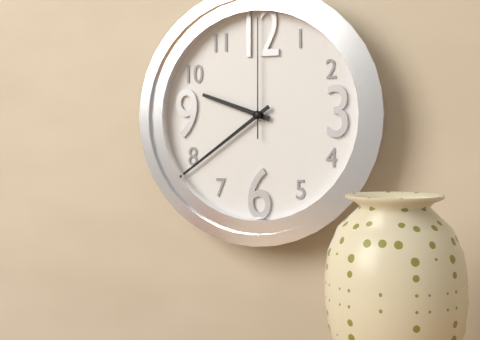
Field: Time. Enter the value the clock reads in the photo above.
9:39:00
